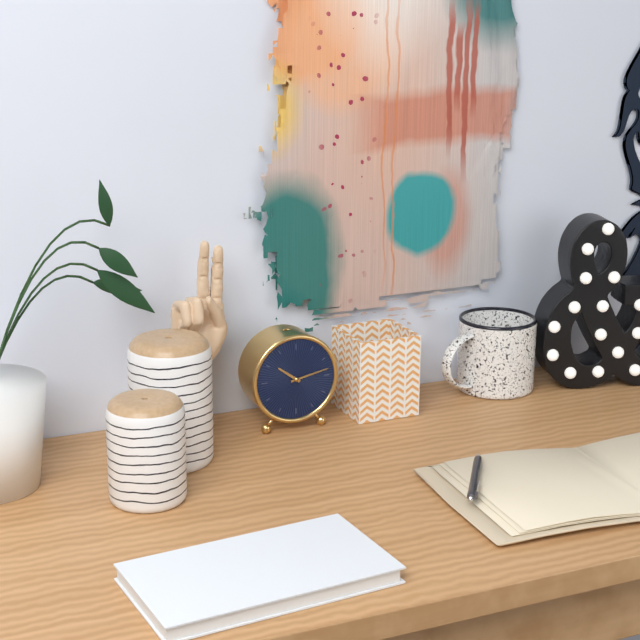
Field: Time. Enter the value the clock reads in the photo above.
10:13
